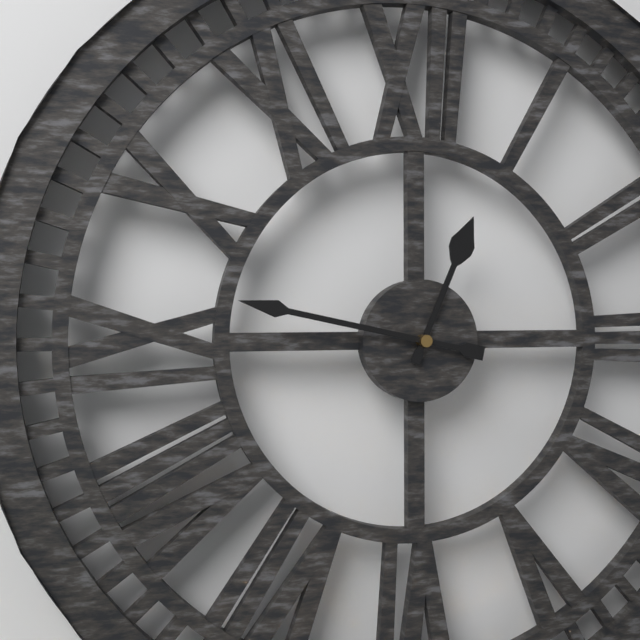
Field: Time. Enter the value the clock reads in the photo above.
12:47
